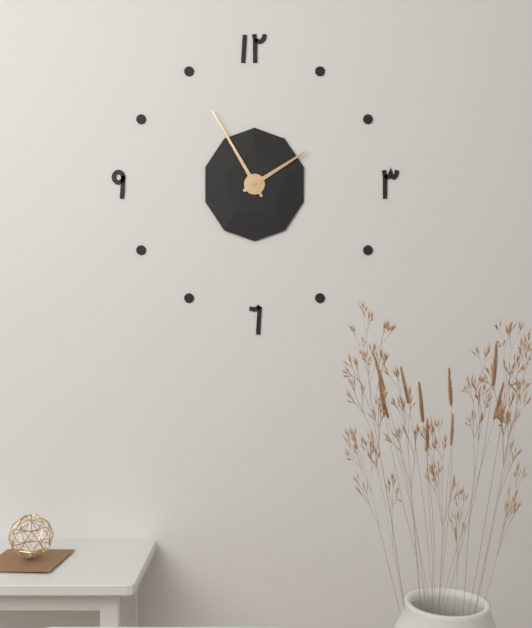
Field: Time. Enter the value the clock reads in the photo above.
1:55
